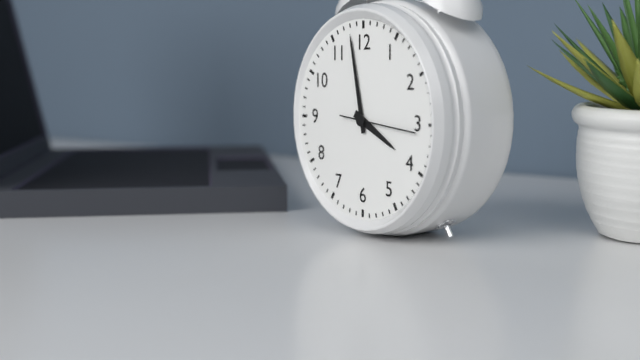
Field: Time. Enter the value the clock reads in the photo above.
3:58:16
